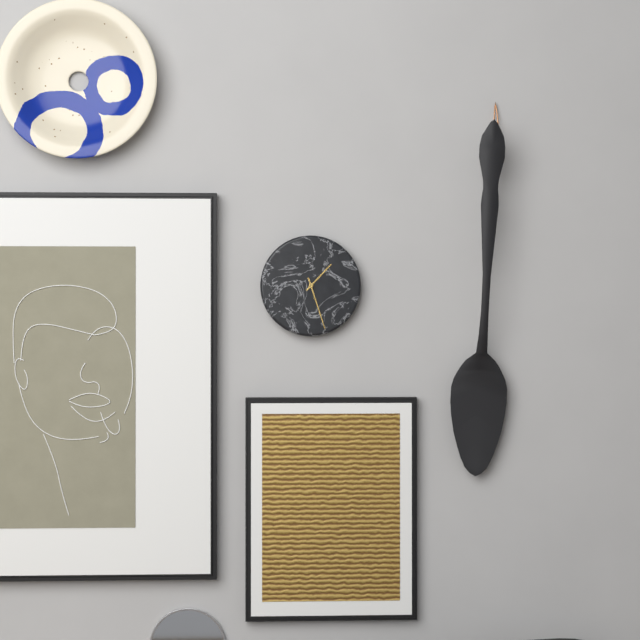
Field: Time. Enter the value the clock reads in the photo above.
1:27
